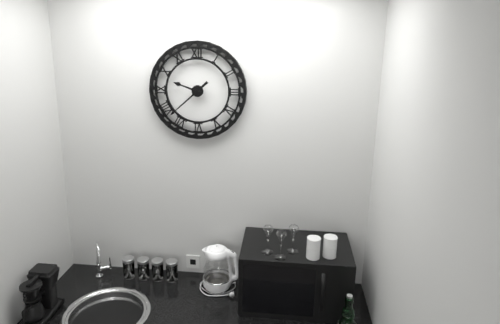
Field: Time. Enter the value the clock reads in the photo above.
9:38
